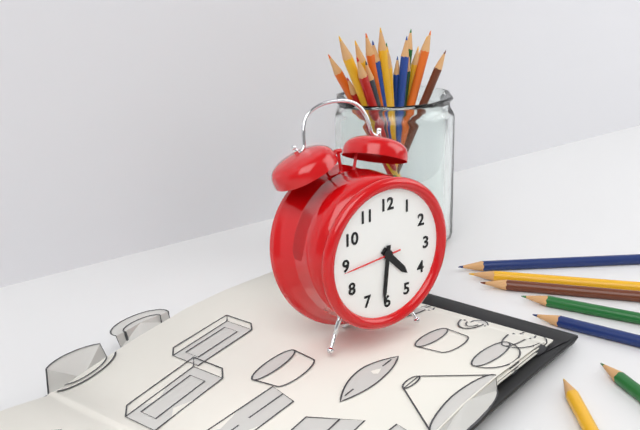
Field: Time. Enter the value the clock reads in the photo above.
4:31:44
